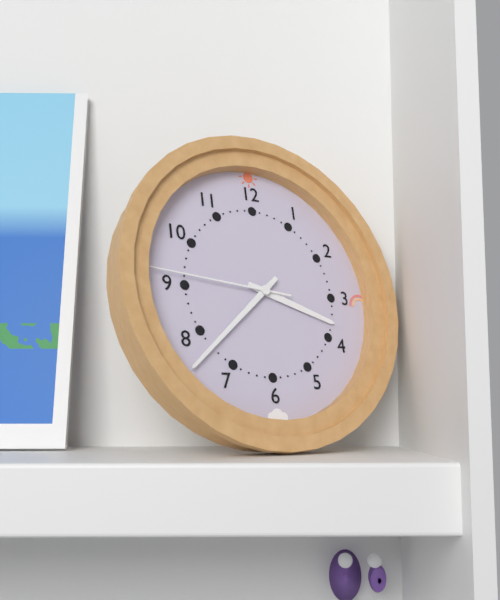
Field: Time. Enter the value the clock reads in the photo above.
3:38:46
